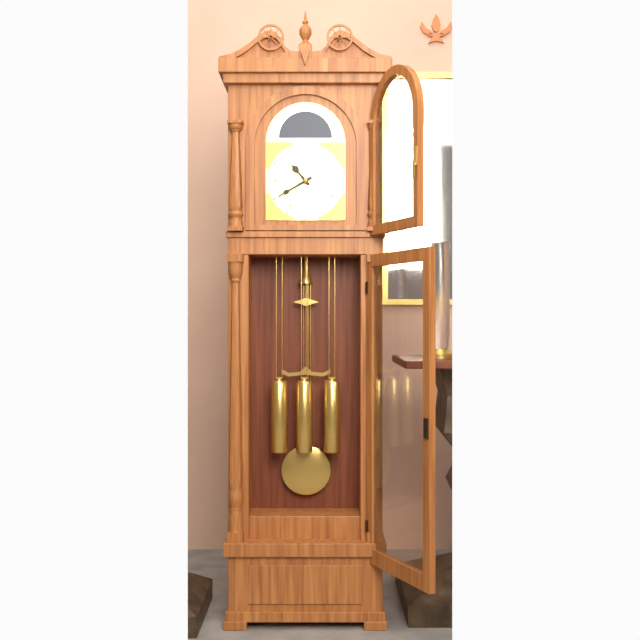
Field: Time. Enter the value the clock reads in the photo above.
10:40
